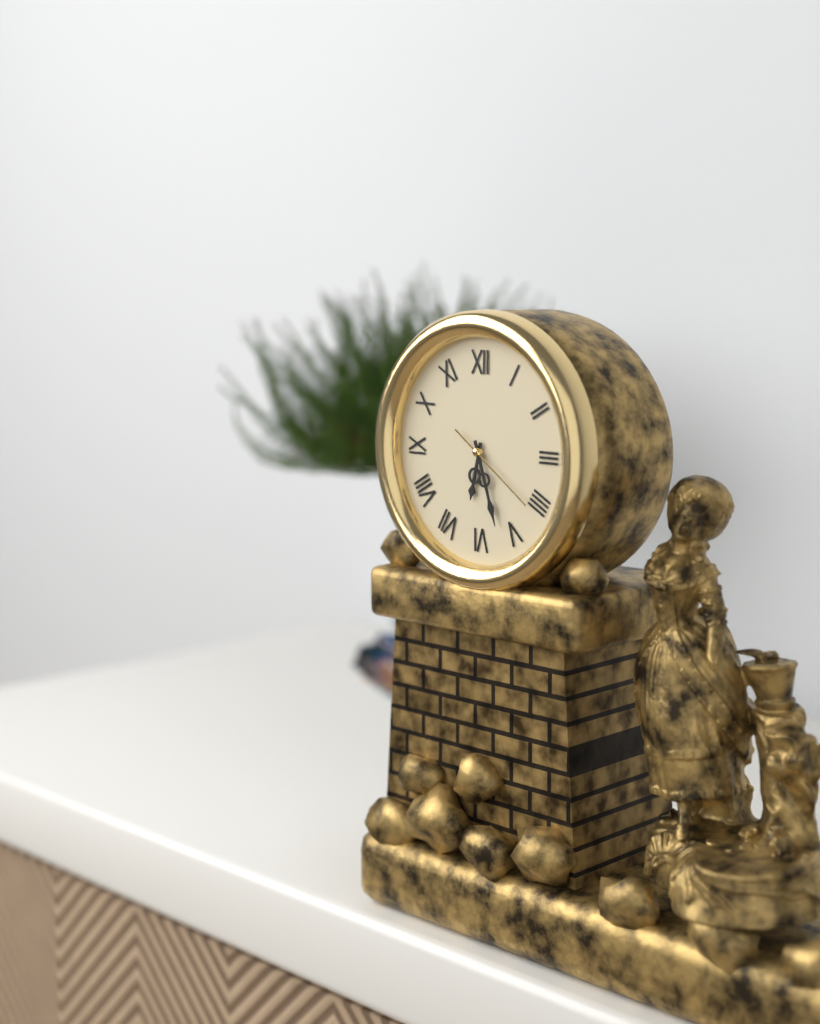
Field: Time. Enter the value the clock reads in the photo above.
6:27:21
